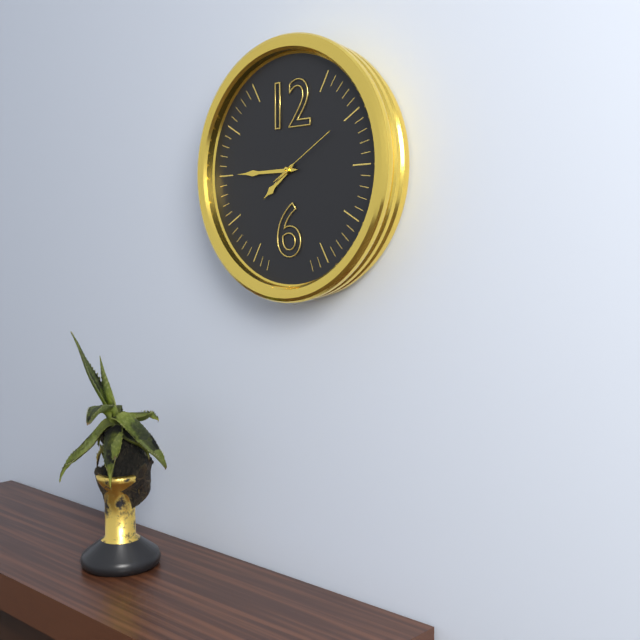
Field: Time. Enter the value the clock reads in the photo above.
7:45:10
